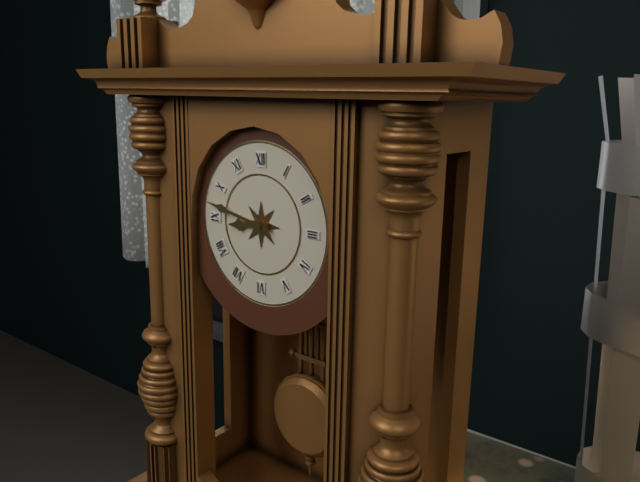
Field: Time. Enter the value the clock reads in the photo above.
8:47
